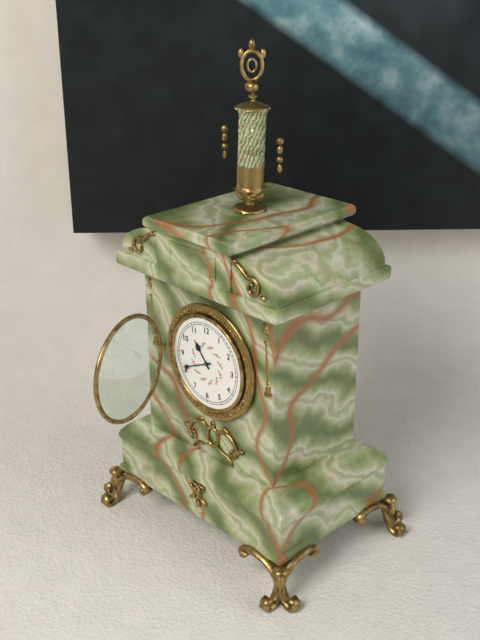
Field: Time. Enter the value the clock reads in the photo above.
10:41
